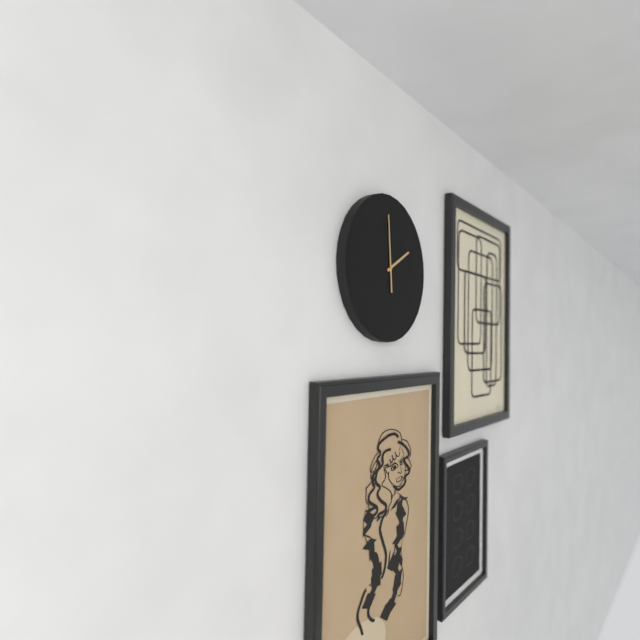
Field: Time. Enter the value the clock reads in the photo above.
1:59
